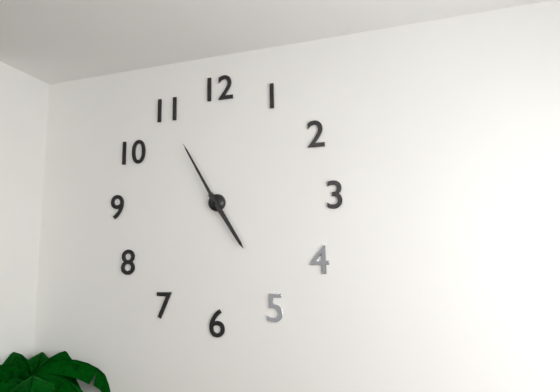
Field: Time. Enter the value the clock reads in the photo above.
4:55
